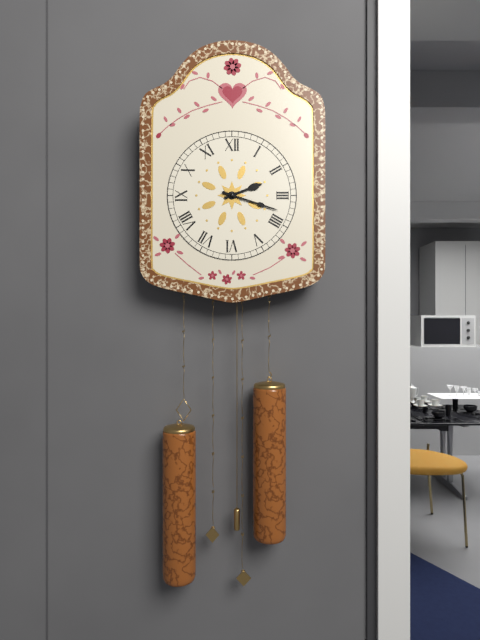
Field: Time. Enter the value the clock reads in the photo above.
2:18
